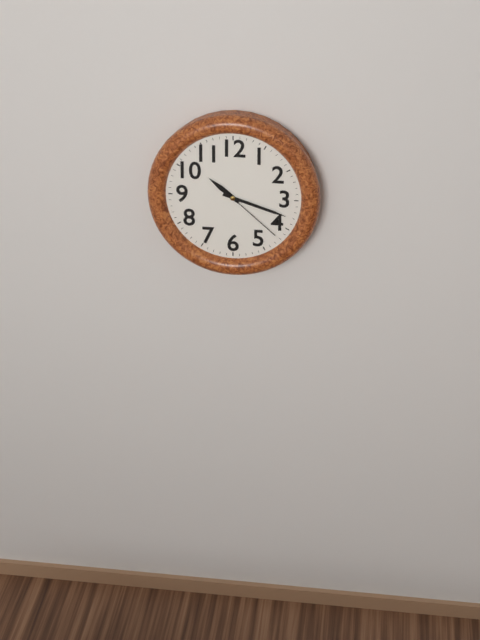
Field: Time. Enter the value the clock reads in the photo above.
10:18:22
